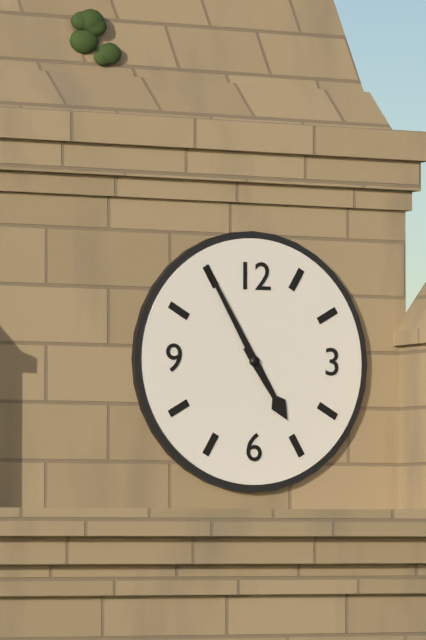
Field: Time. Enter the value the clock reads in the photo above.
4:55
